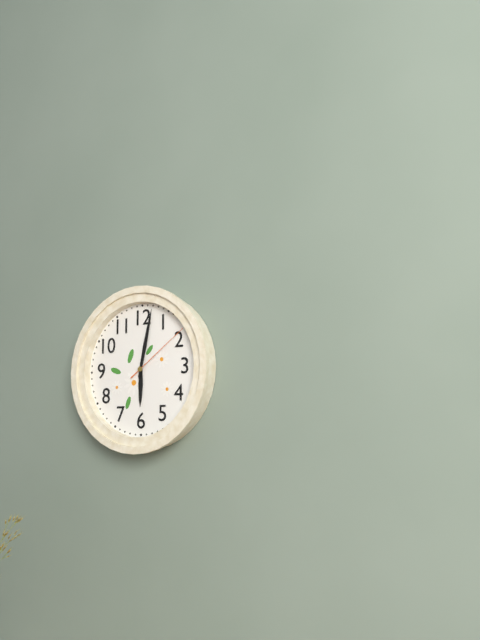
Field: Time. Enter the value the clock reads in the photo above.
6:02:09
